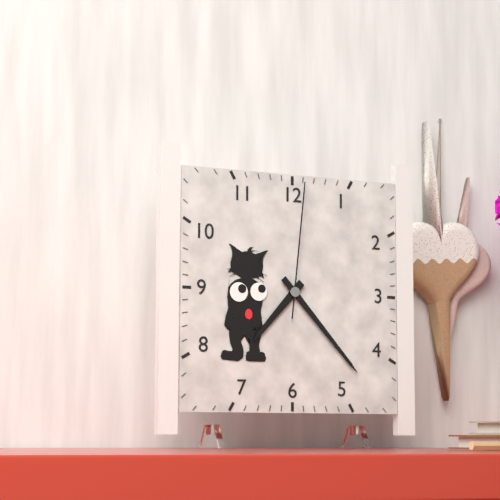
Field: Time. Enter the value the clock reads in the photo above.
7:23:01
